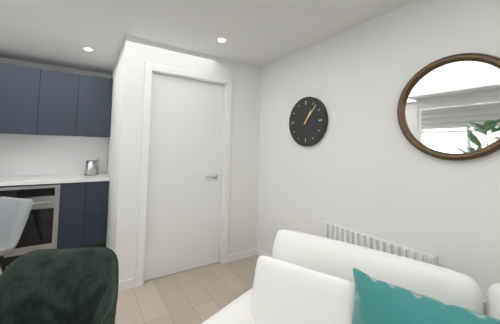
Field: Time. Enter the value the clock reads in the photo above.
1:07
